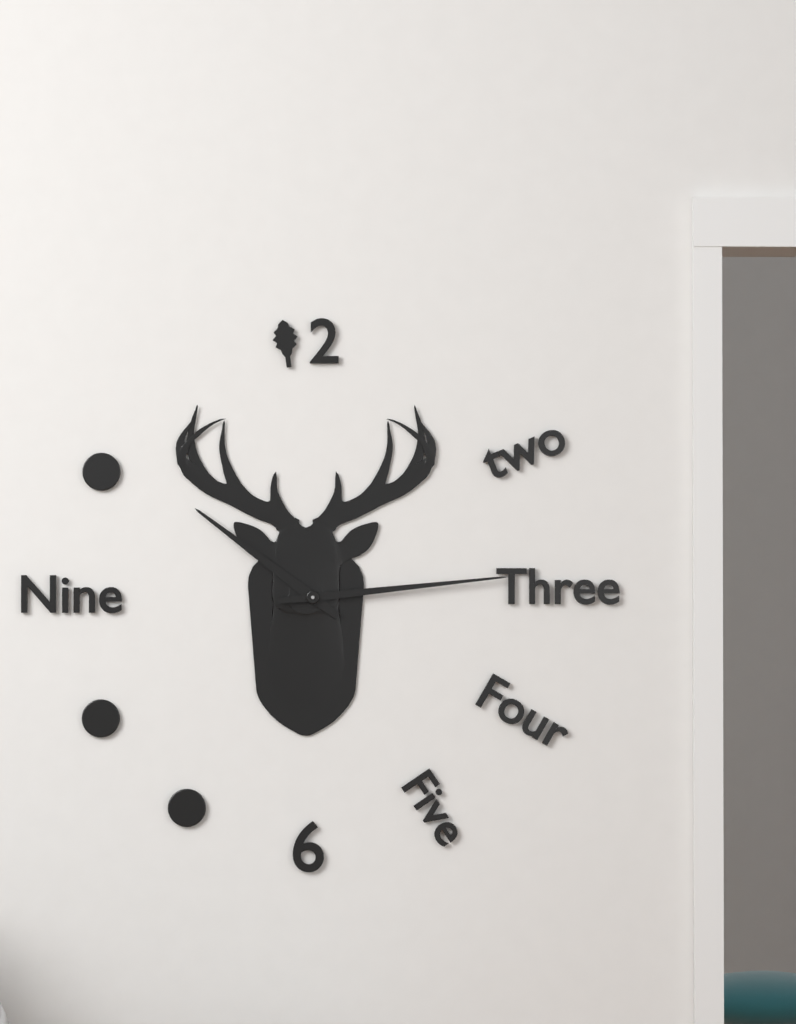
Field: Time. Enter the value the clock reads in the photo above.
10:14
